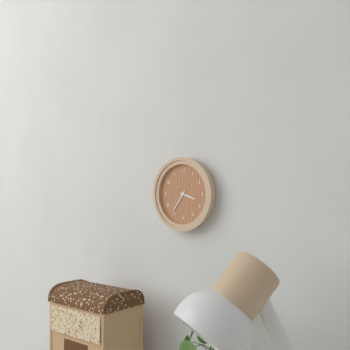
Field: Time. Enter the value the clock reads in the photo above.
3:36
